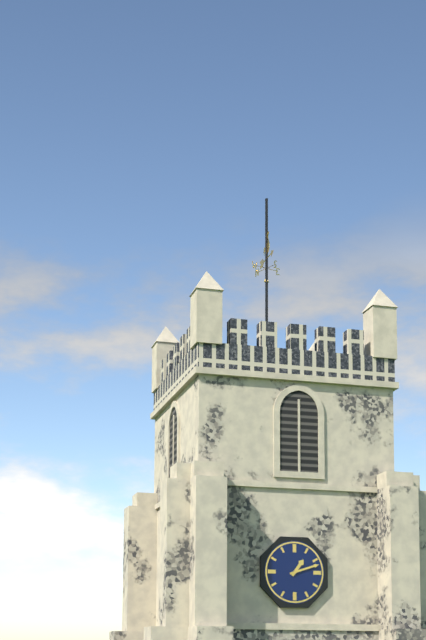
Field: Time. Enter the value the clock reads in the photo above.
1:12
